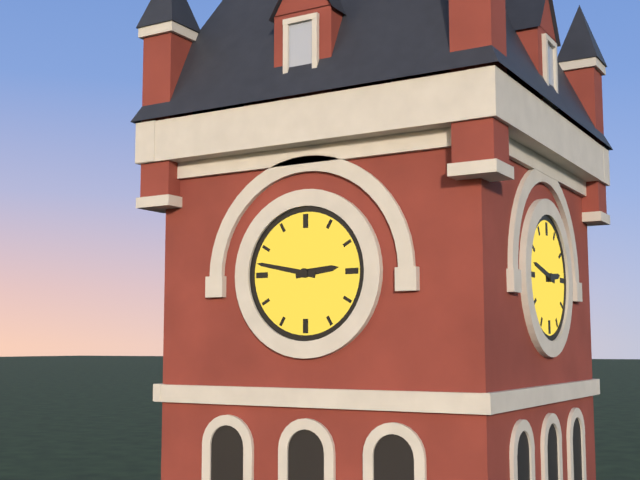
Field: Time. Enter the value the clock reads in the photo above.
2:47
